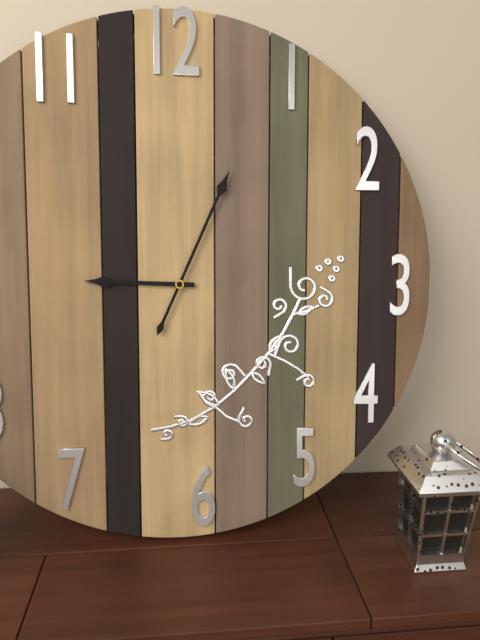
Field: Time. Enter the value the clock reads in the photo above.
9:04
